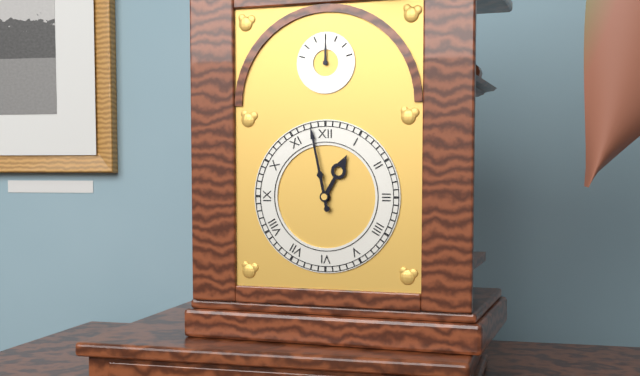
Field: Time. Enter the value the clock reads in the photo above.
12:58
